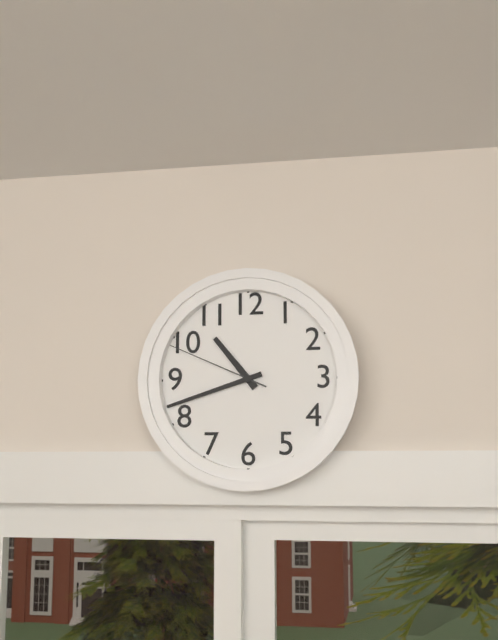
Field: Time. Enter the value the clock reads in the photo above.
10:42:49
